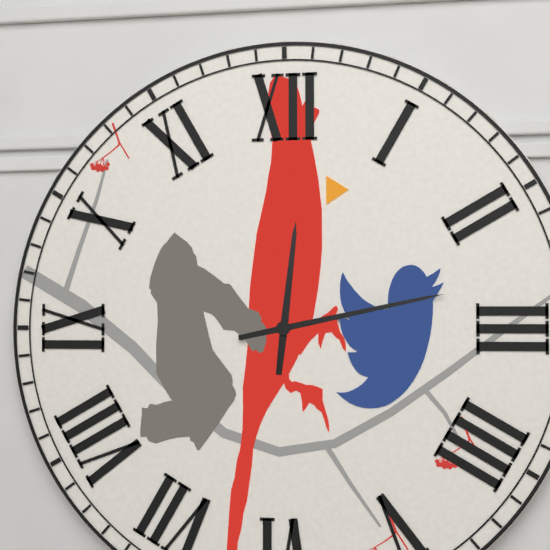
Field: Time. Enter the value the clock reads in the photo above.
12:13
